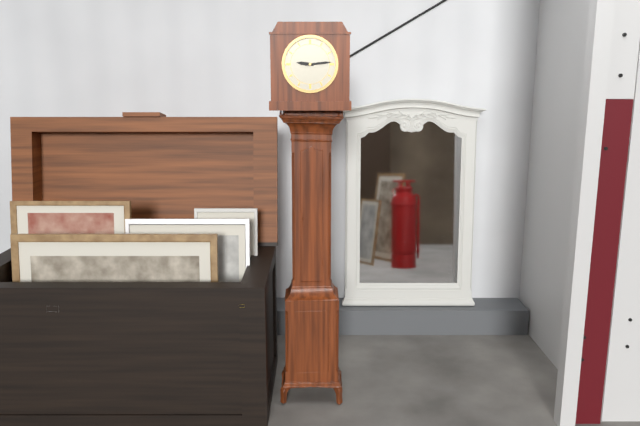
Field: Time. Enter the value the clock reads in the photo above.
9:14
